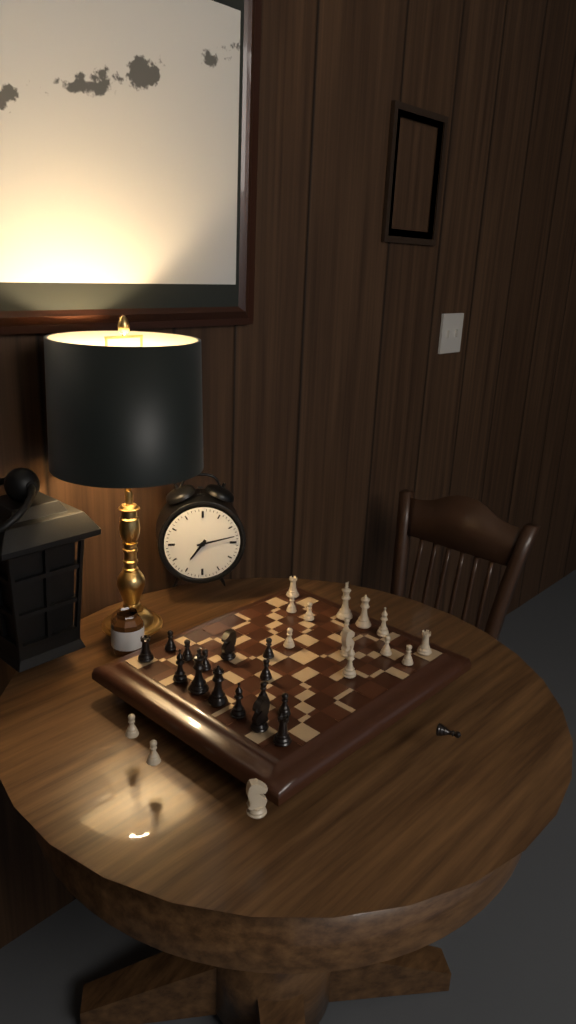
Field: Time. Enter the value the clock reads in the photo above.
7:13
